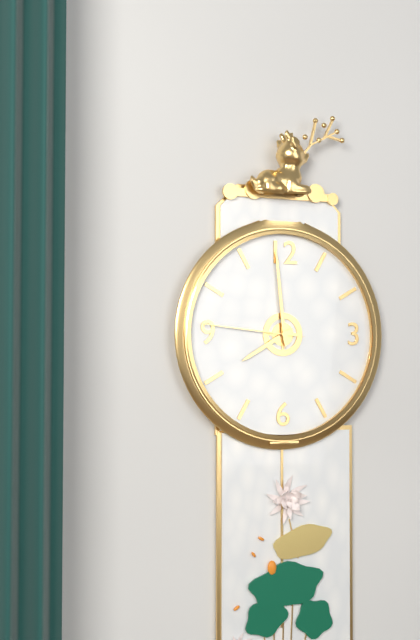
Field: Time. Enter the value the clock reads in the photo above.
7:59:46
